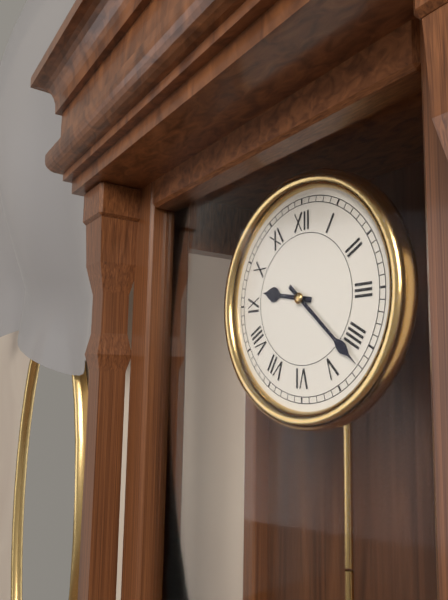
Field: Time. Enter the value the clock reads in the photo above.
9:22
